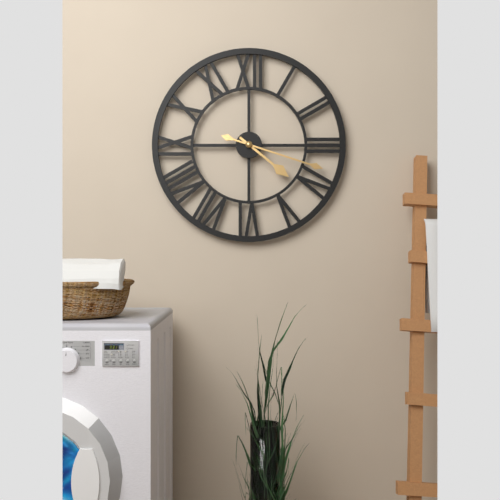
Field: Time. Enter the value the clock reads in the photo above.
4:18
